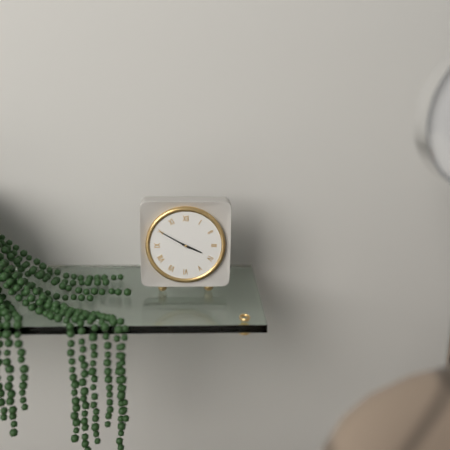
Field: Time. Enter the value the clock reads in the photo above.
3:50
